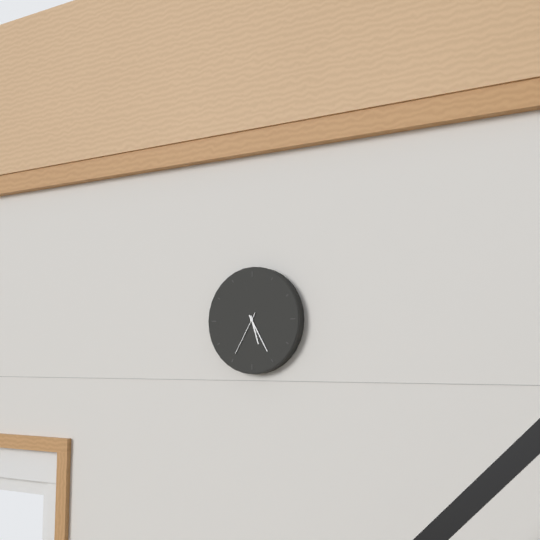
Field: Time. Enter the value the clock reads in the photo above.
5:25
